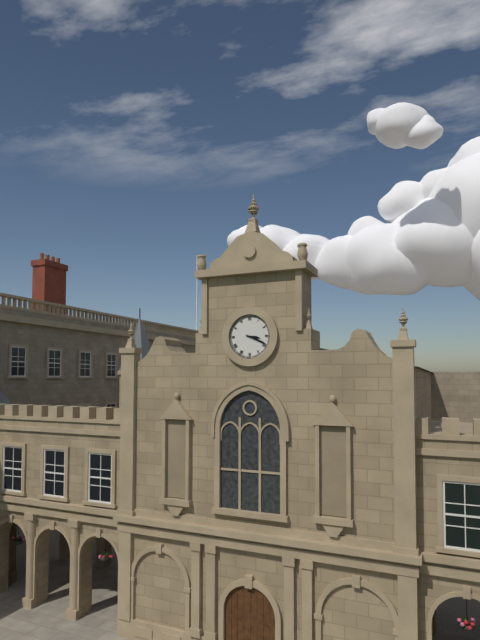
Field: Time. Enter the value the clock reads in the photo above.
3:19
